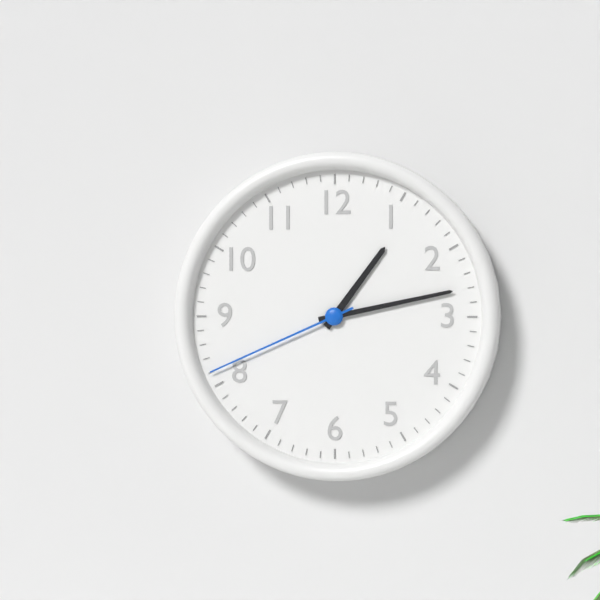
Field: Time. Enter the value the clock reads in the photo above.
1:13:41
